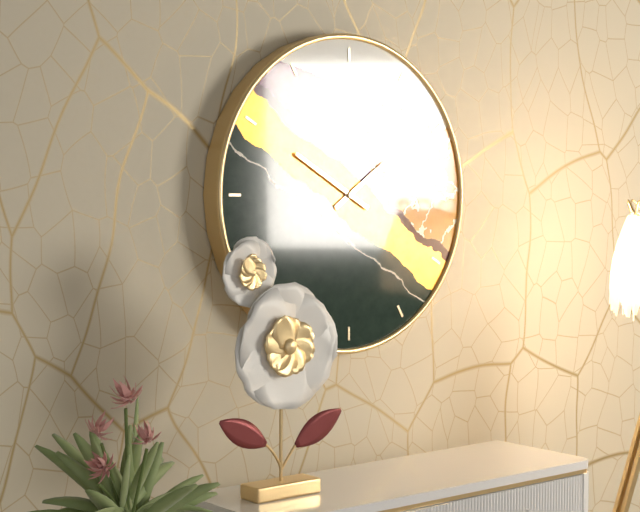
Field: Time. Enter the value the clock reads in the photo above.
1:50
